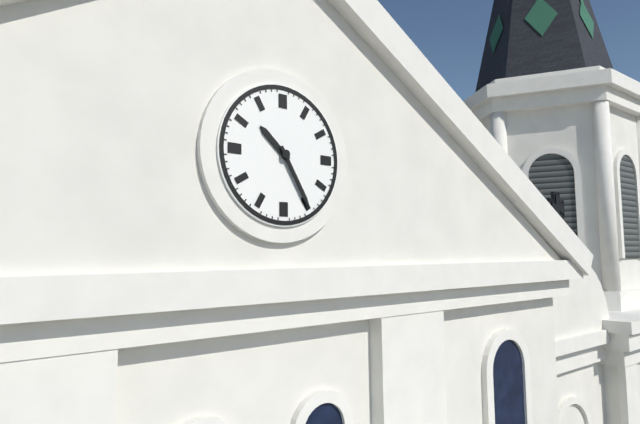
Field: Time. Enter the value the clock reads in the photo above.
10:25
